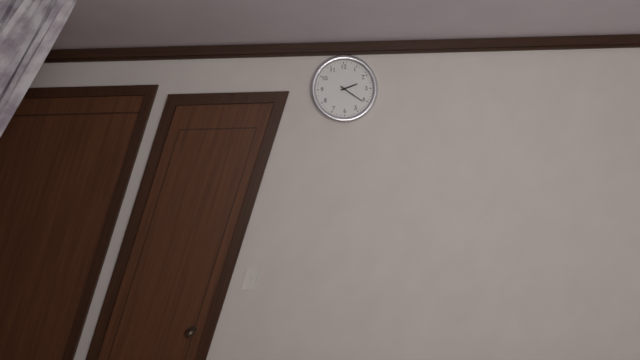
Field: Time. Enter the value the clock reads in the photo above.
2:21
